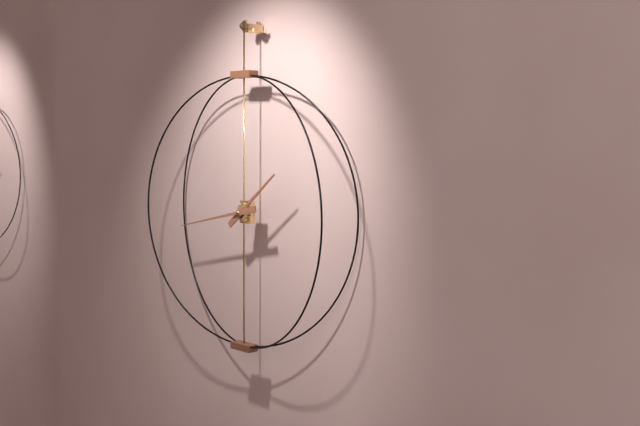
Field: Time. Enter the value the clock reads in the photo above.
1:43
